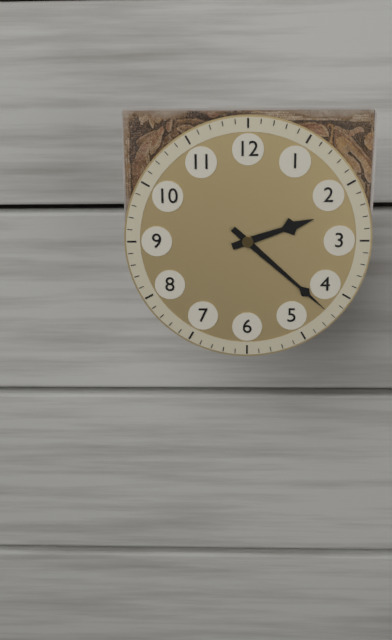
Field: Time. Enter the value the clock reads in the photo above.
2:22
